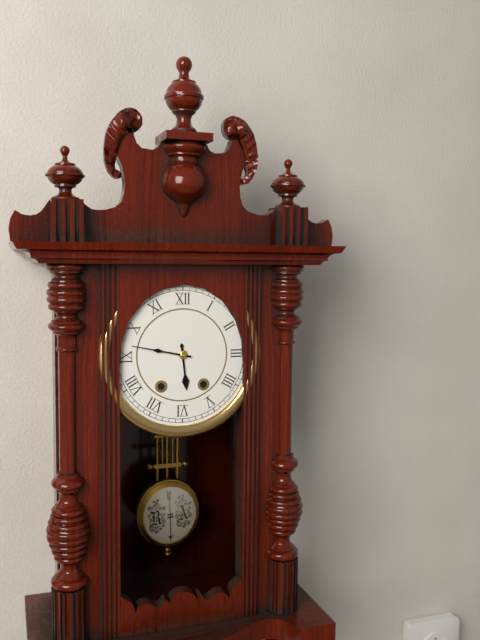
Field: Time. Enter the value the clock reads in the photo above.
5:47
